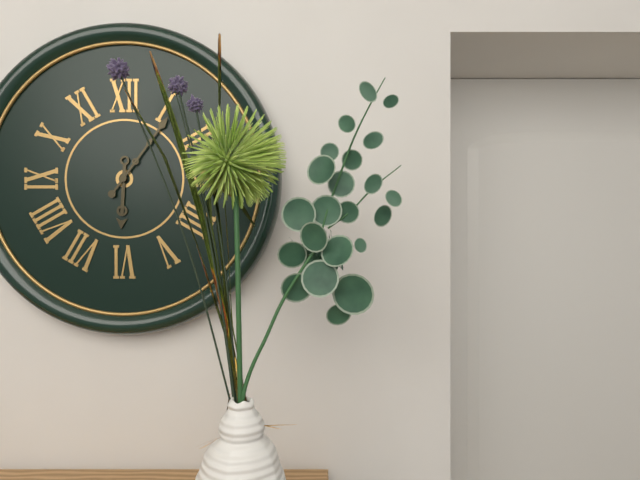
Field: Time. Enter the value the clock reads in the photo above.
6:06
